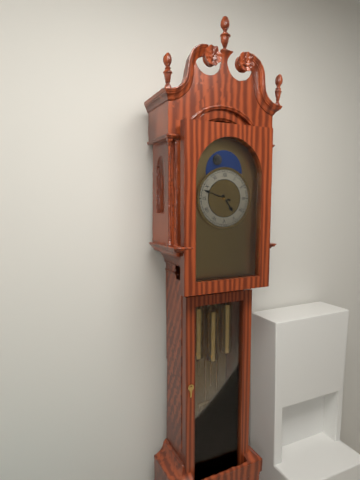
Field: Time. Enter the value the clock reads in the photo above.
4:48
